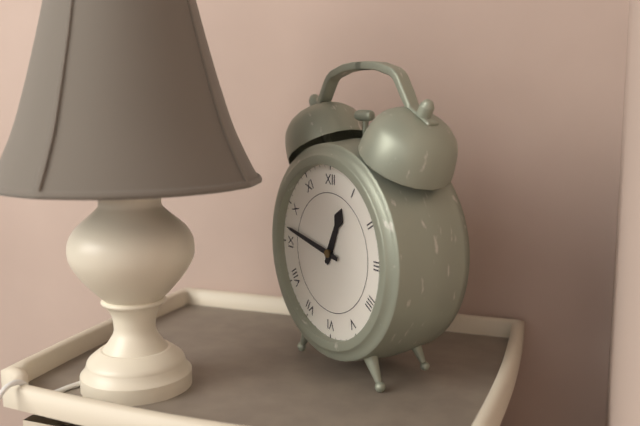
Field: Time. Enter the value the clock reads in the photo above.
12:47
